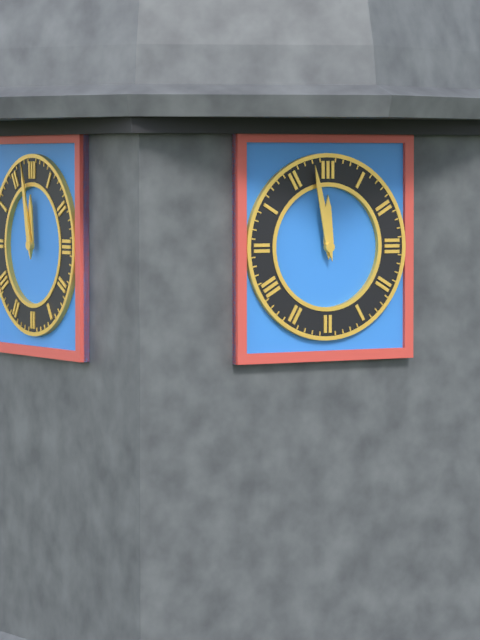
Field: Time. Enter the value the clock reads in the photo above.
11:58
